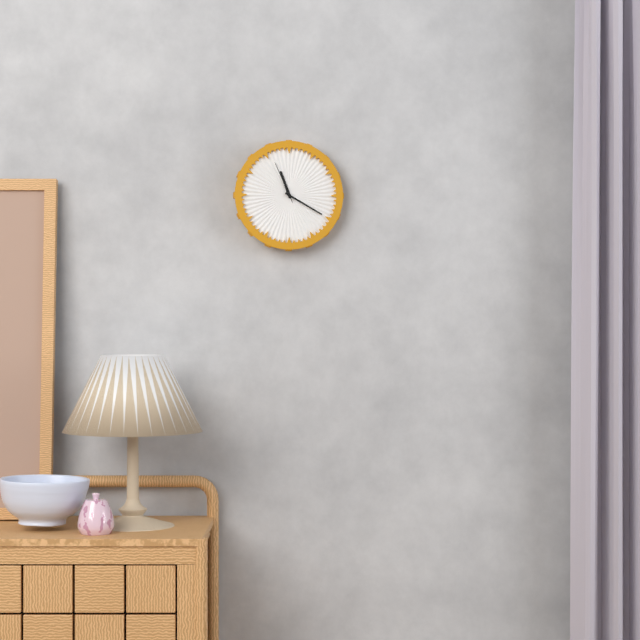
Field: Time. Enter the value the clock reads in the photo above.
11:20
